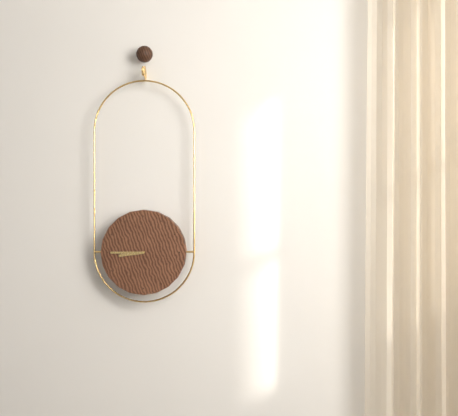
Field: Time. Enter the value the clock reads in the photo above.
8:45
